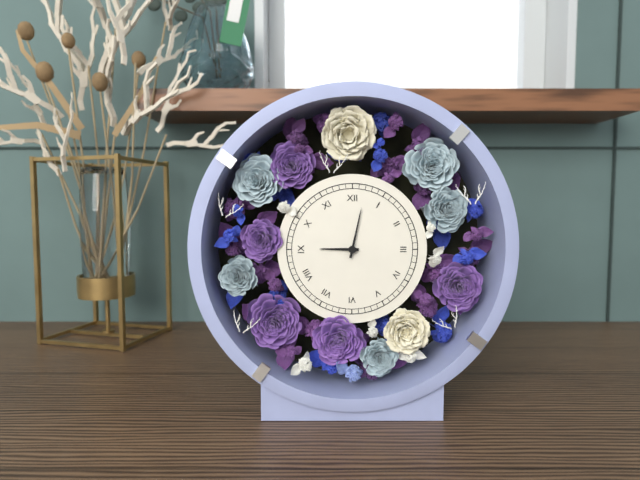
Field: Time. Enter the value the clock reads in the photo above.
9:02
